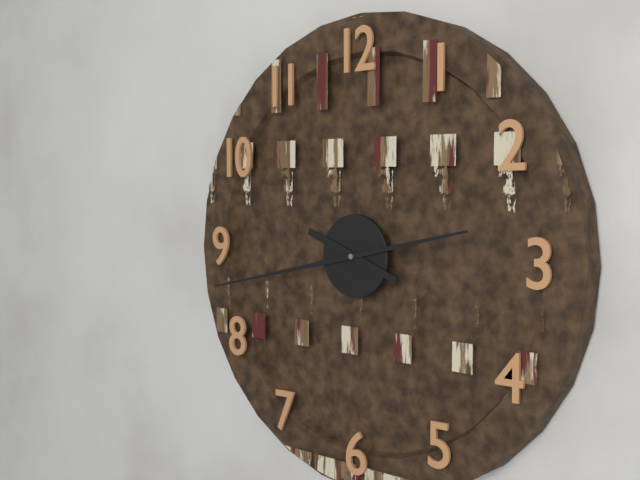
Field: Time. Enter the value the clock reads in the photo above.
9:43
